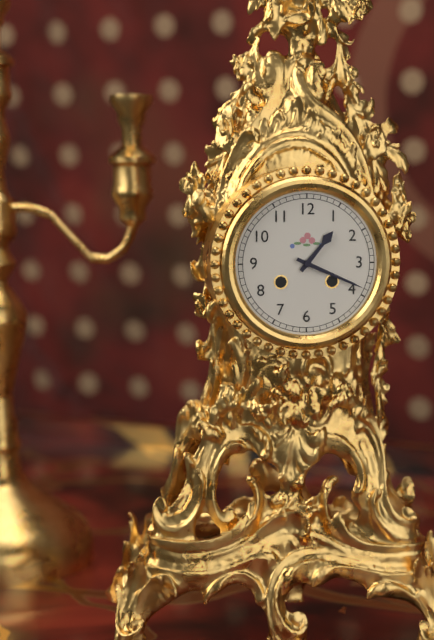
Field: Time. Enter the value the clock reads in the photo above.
1:19
